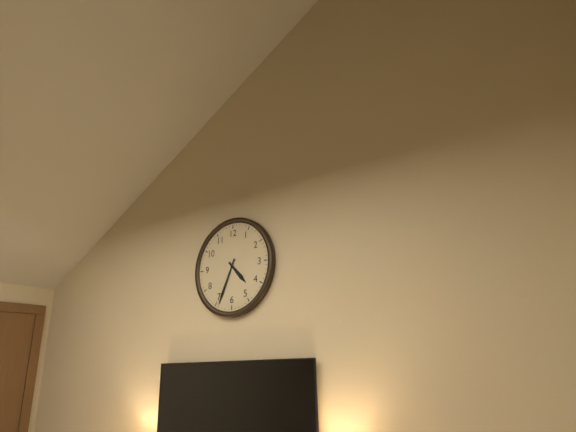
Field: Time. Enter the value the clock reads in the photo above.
4:34
